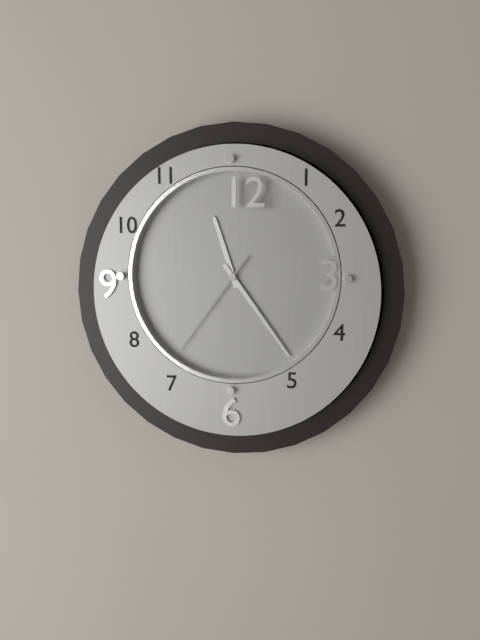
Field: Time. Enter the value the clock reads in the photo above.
11:24:36
